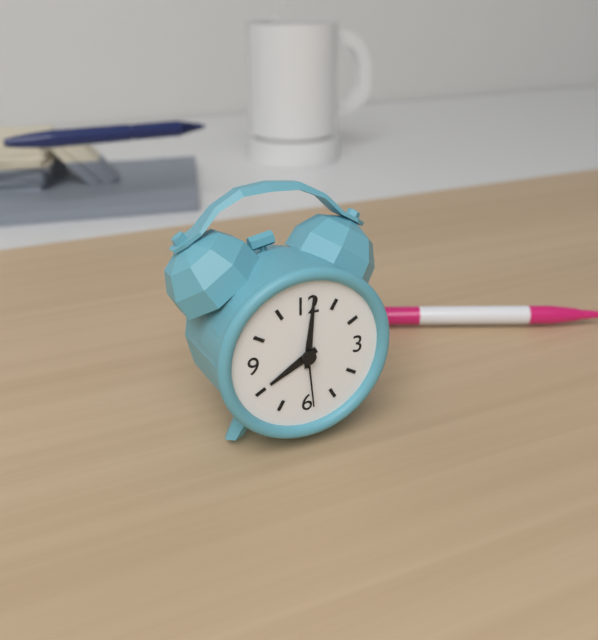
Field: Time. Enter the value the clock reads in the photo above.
8:01:29
